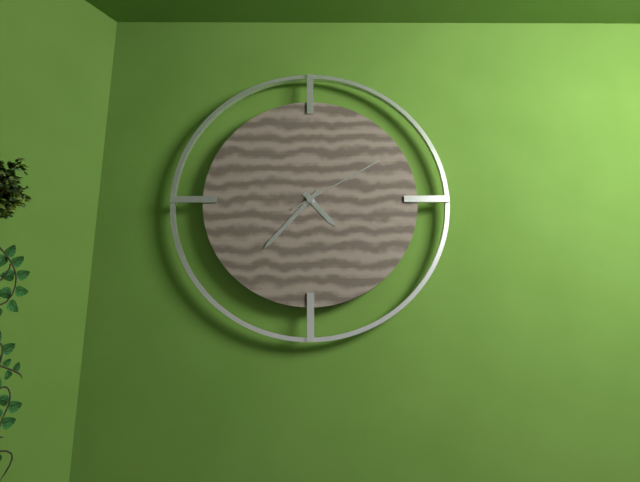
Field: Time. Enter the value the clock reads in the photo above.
4:37:10
